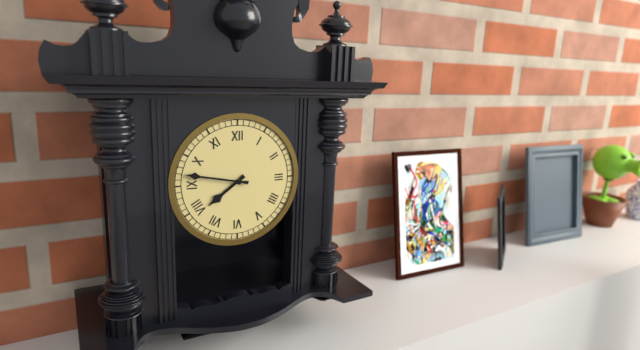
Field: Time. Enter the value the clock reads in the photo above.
7:47
